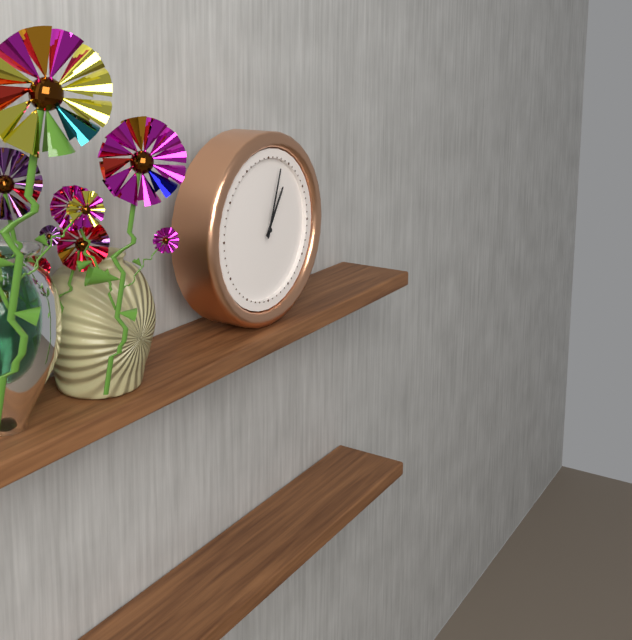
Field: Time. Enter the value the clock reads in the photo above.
1:03
